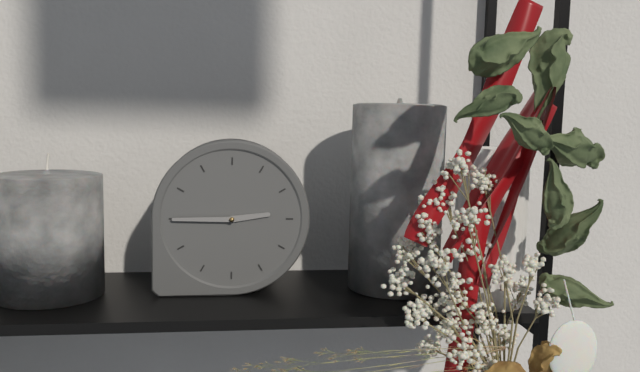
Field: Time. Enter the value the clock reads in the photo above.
2:45
